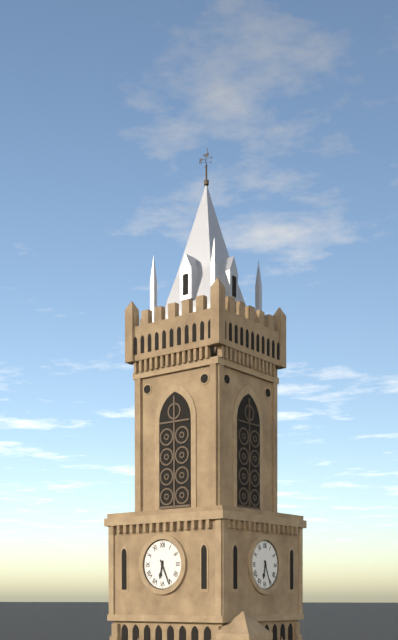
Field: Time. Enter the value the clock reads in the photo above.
6:26
